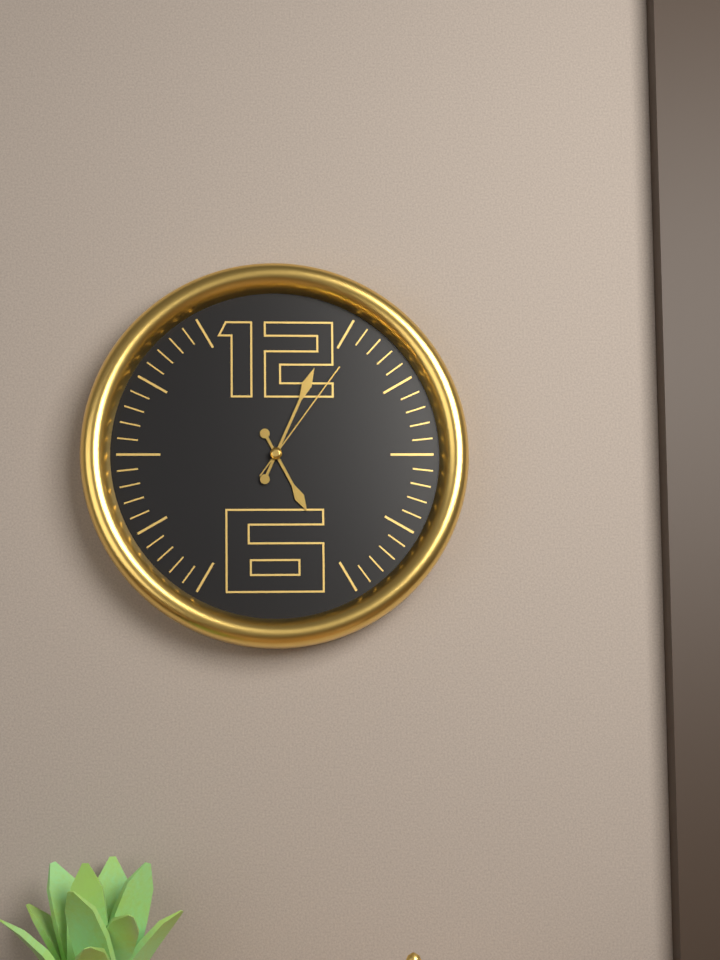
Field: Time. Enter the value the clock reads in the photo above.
5:04:06
